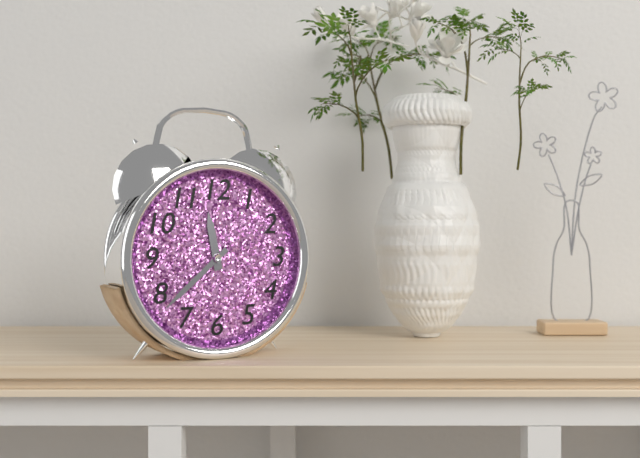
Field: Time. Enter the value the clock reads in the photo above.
11:38
